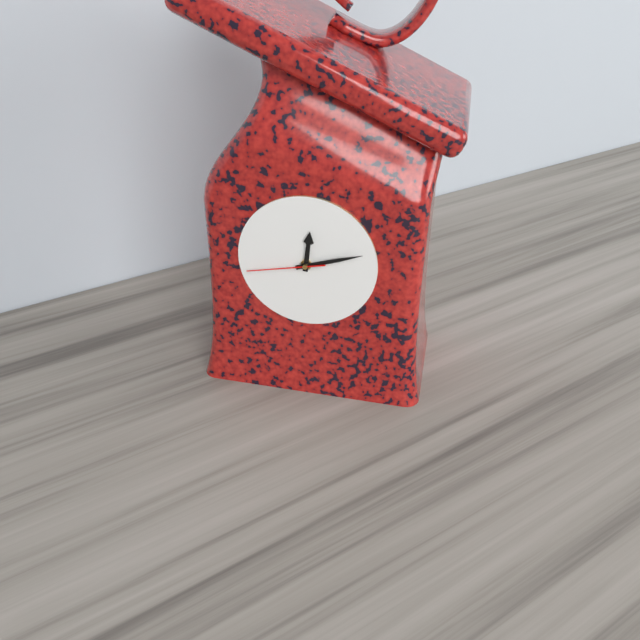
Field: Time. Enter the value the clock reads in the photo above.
12:12:43
